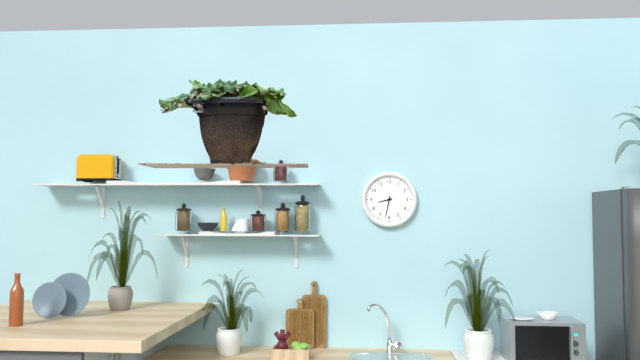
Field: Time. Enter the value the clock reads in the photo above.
8:32
